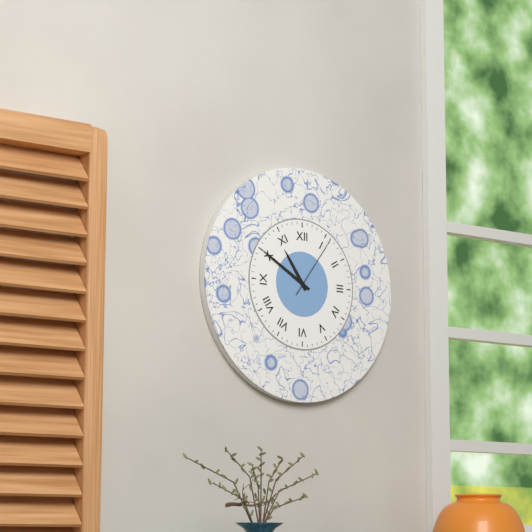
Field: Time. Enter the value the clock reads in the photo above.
10:50:06
